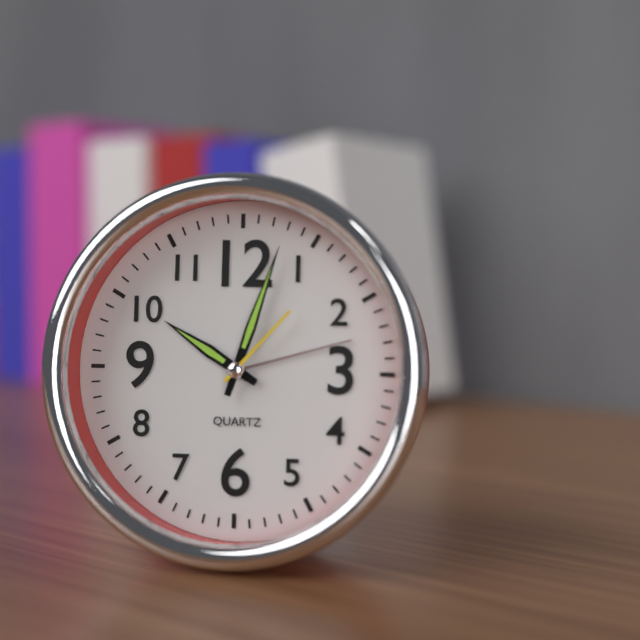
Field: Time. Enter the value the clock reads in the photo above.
10:03:07
